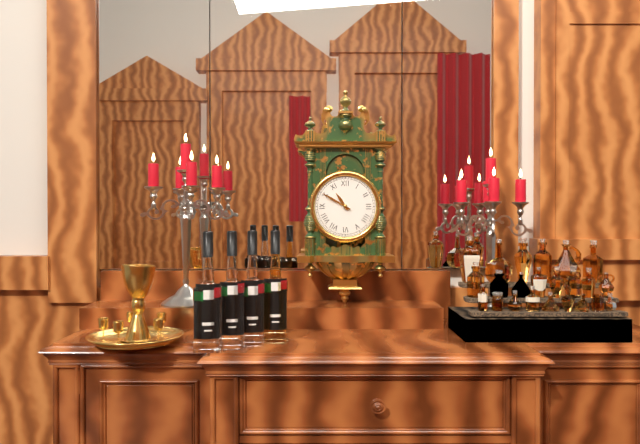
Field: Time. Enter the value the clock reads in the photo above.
10:50
